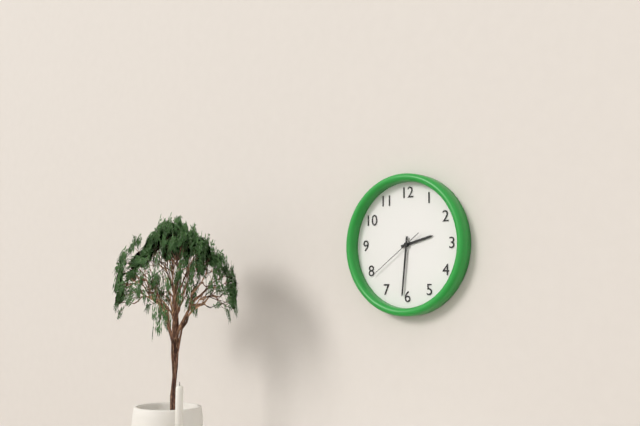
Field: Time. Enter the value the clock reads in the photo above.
2:31:39
